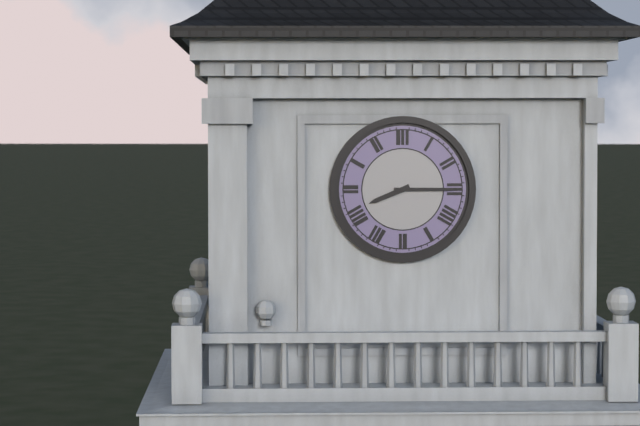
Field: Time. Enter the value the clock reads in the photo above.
8:15
